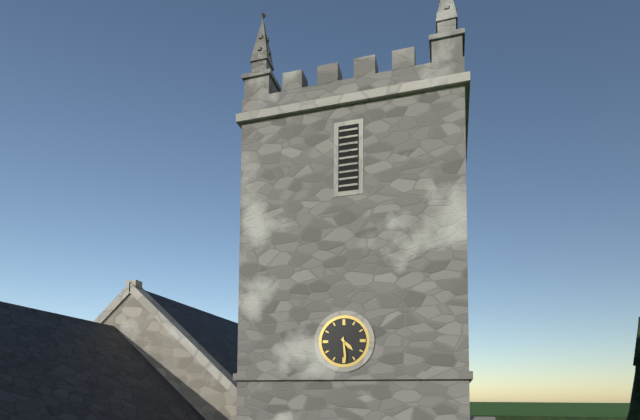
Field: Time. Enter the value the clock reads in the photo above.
4:29
